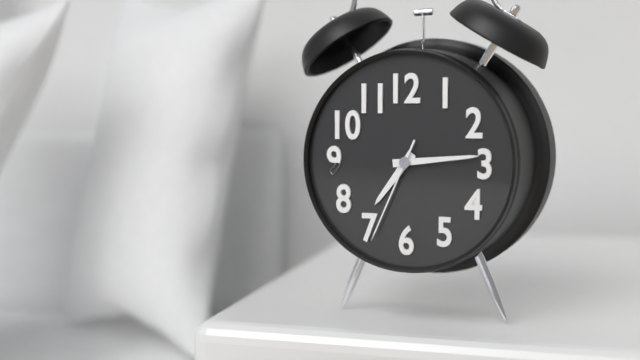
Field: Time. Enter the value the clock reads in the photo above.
7:14:34
